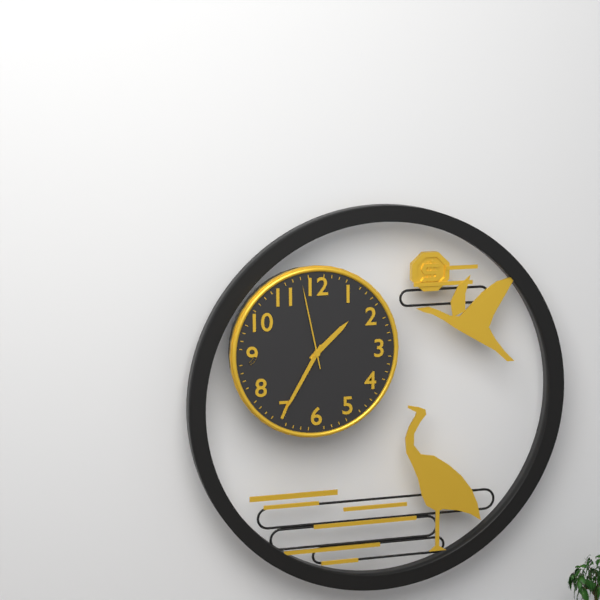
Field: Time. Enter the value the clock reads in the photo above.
1:35:58
